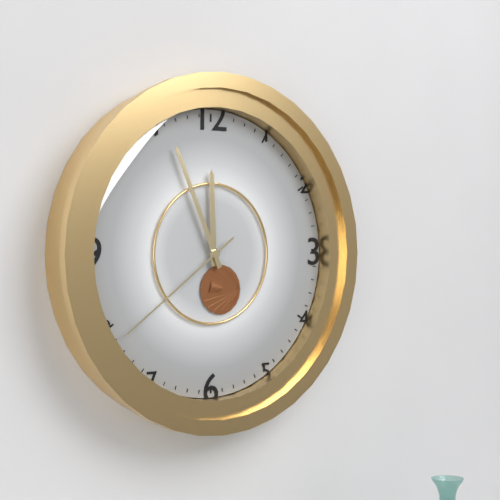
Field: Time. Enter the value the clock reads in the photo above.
11:56:39
